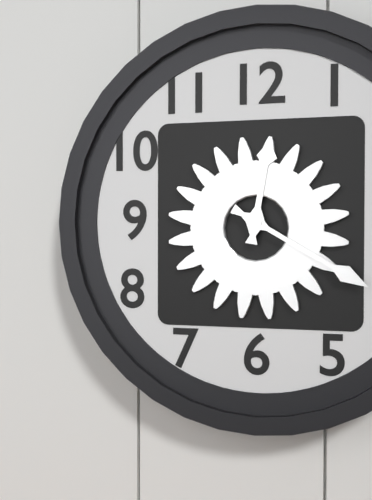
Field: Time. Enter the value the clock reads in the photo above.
12:20
